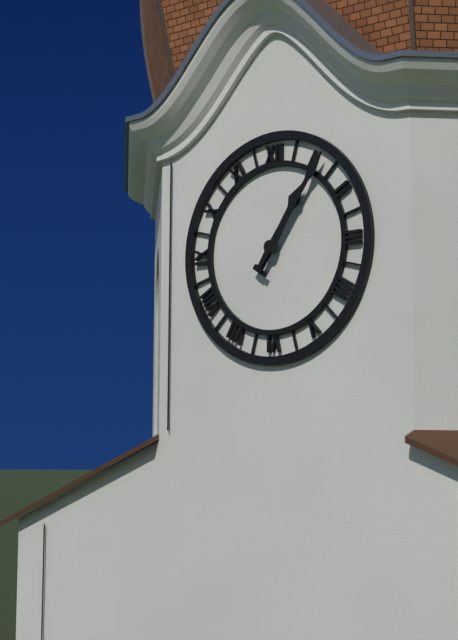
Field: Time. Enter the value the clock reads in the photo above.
1:06
